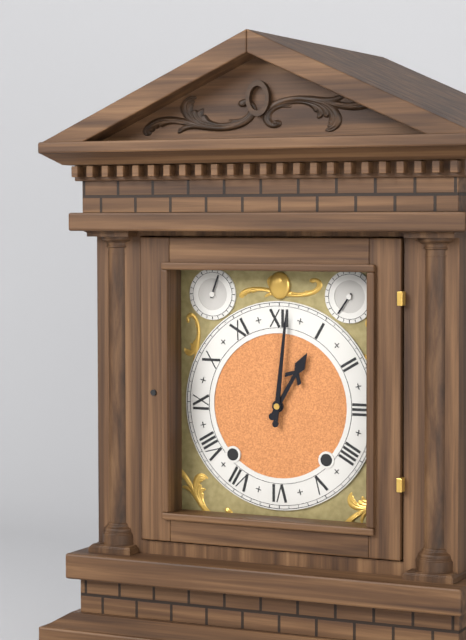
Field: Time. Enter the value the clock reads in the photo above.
1:01
